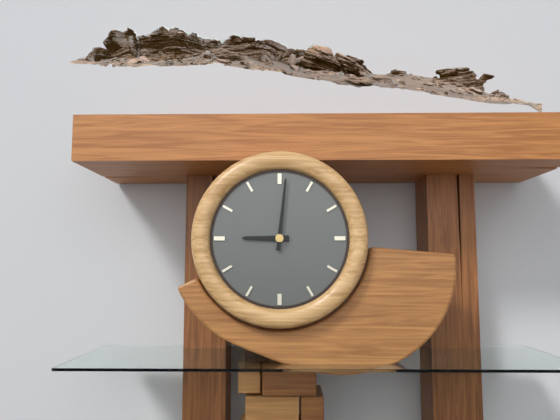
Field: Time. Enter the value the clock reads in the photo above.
9:01
